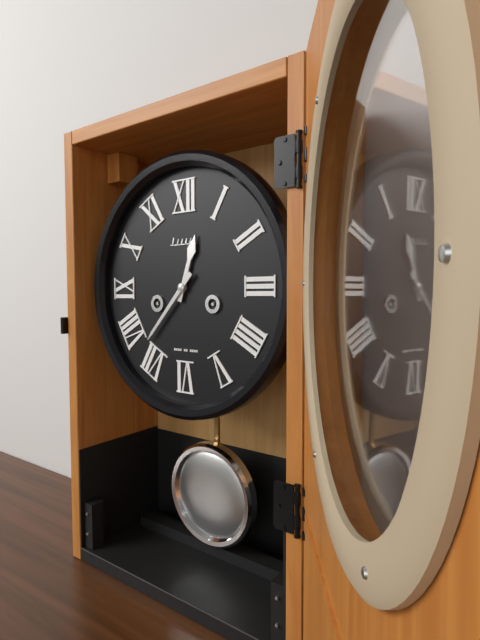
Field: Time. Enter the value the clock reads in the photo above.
12:37
